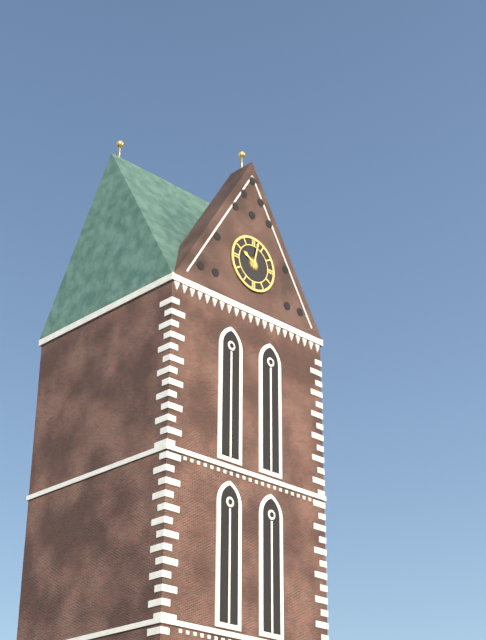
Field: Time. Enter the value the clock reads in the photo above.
10:02
